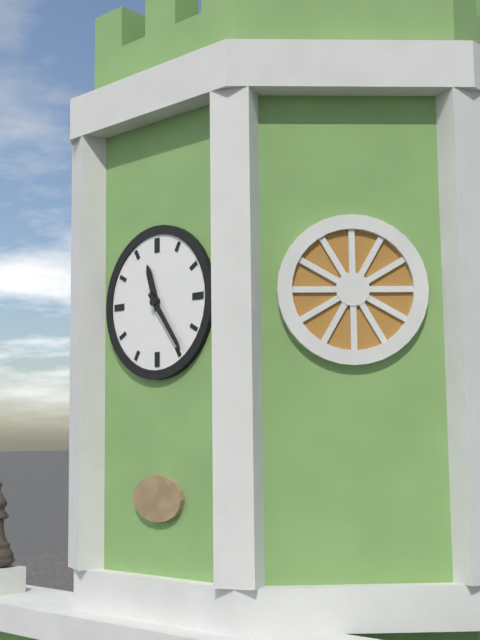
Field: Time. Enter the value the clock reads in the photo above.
11:24
